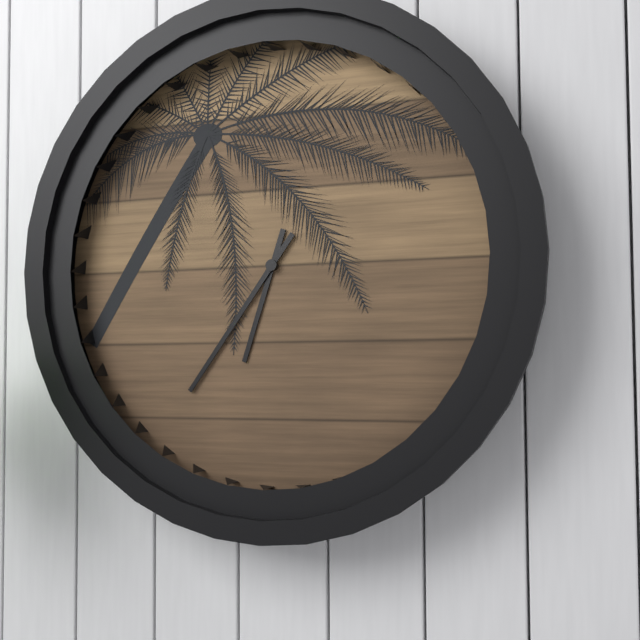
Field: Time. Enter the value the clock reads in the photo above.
6:36
